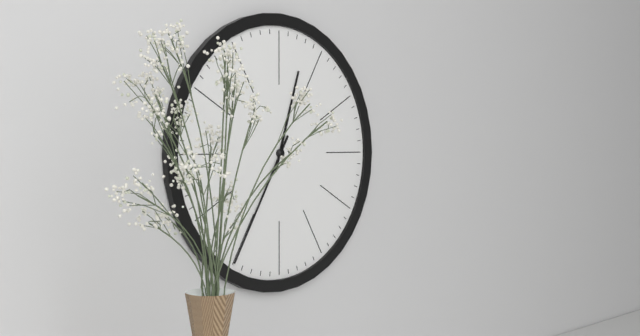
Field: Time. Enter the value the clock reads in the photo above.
12:35
